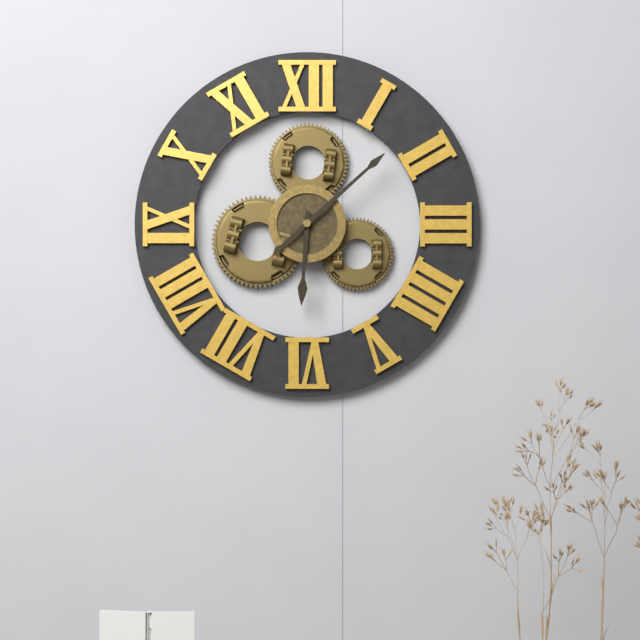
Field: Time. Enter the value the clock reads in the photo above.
6:08
